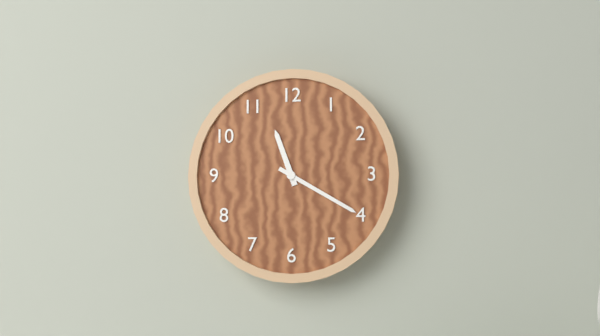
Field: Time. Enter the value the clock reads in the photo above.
11:20
